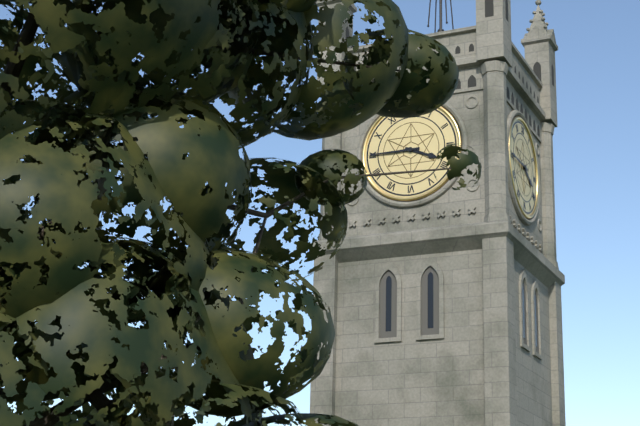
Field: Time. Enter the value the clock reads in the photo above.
3:45
